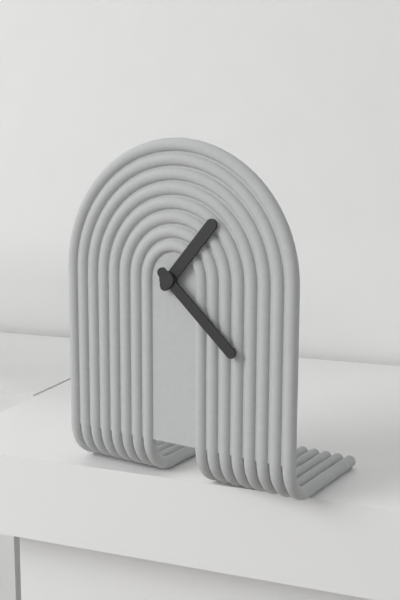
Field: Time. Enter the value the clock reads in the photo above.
1:22
